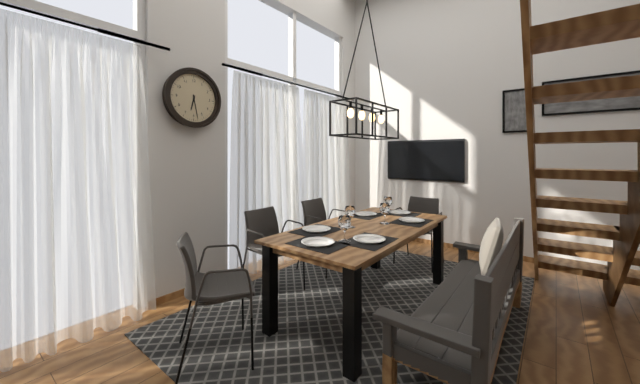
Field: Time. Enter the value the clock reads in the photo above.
6:28
